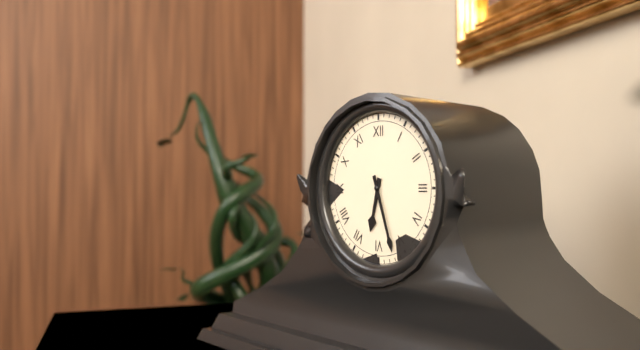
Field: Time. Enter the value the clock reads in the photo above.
6:27
